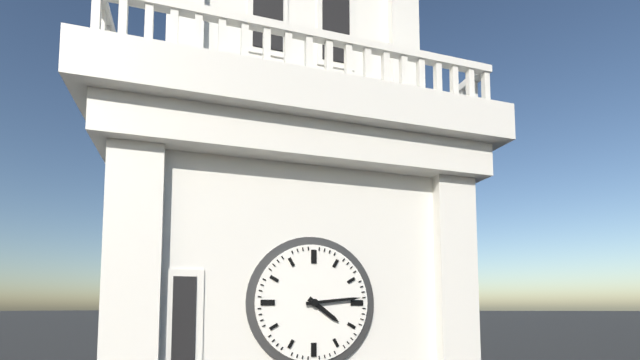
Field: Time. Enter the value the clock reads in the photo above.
4:14
